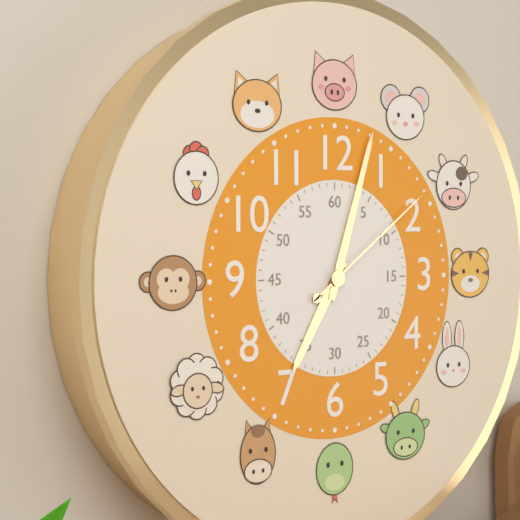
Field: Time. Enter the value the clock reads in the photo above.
7:03:09
